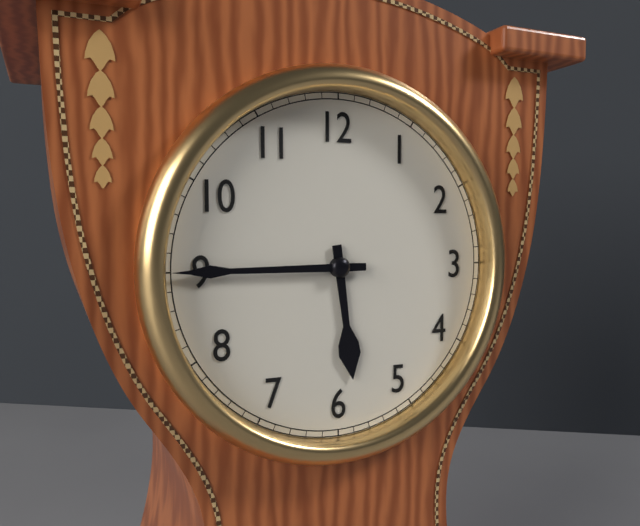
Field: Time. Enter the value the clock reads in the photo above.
5:45
